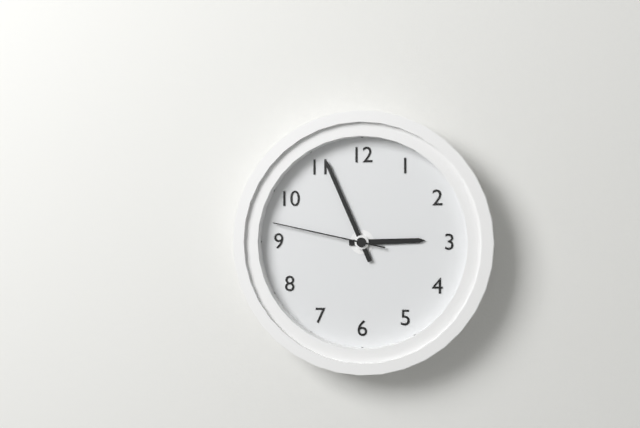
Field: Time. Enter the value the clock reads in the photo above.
2:56:47
